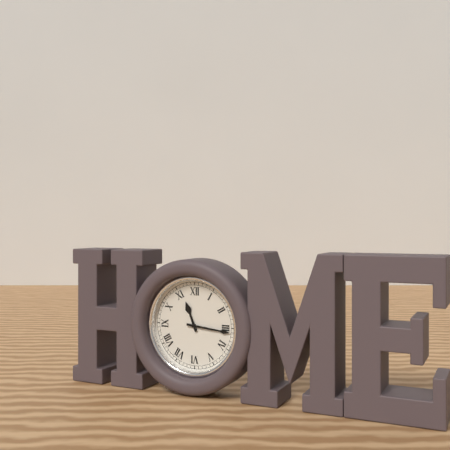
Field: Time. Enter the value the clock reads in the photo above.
11:16
